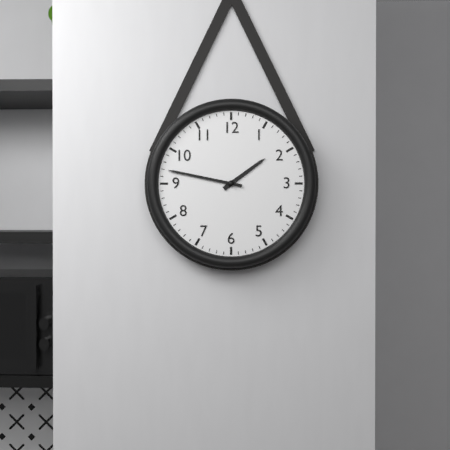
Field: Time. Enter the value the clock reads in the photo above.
1:47
